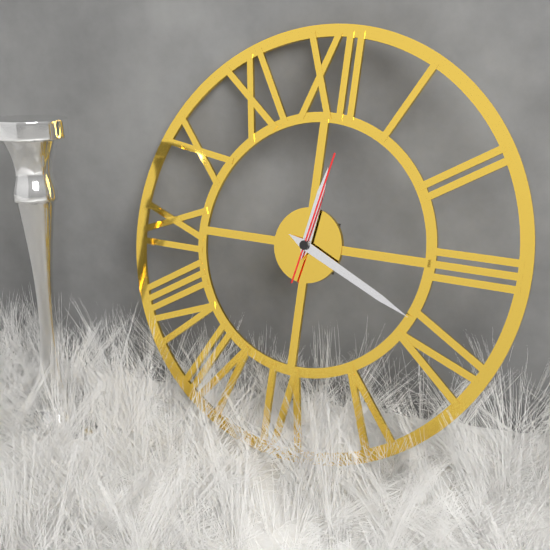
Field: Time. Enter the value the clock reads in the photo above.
12:19:02
